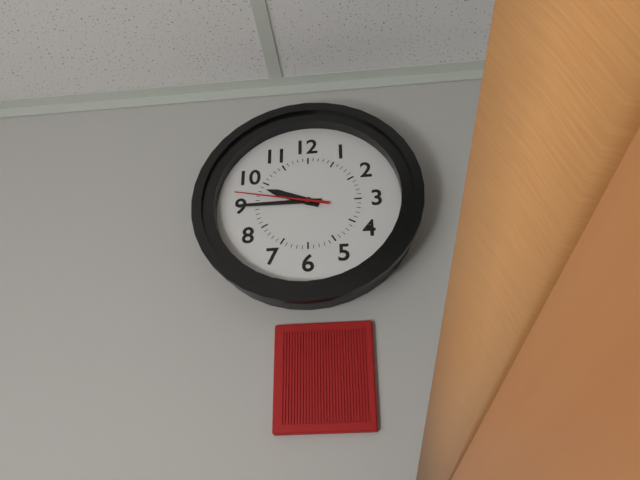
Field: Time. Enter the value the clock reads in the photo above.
9:45:47
